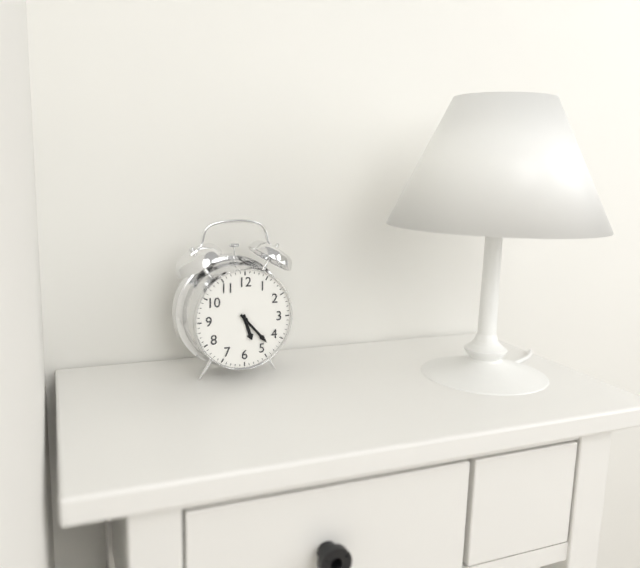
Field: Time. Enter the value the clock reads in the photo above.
5:23
